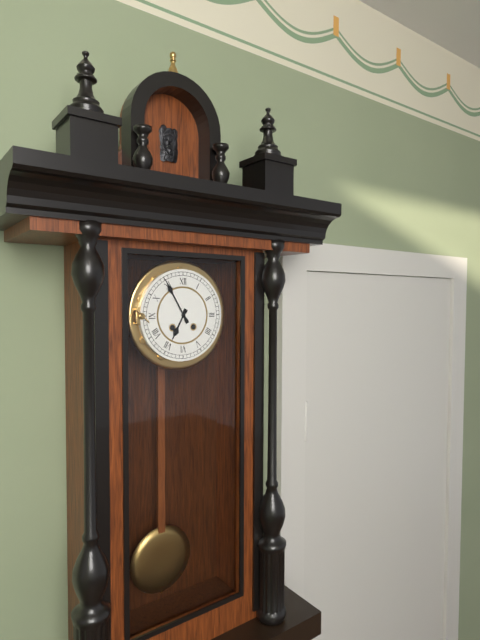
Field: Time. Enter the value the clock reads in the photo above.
6:55
